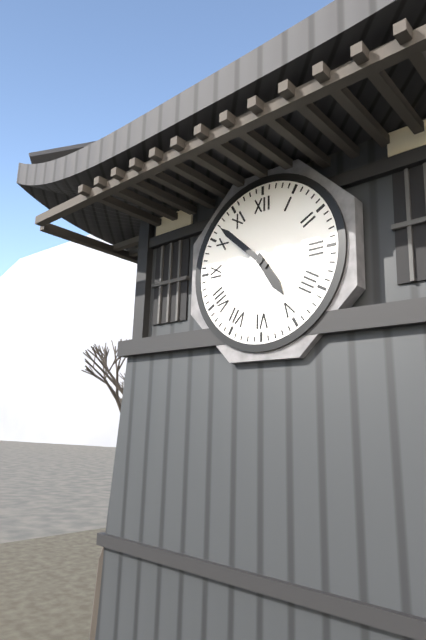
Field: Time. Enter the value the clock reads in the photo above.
4:52
